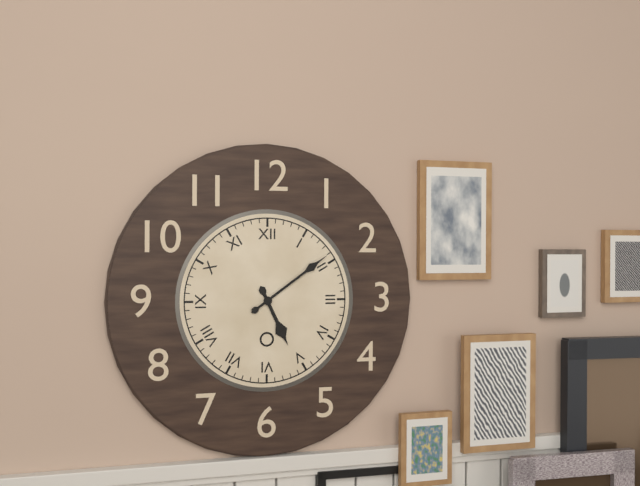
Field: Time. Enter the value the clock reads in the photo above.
5:09
